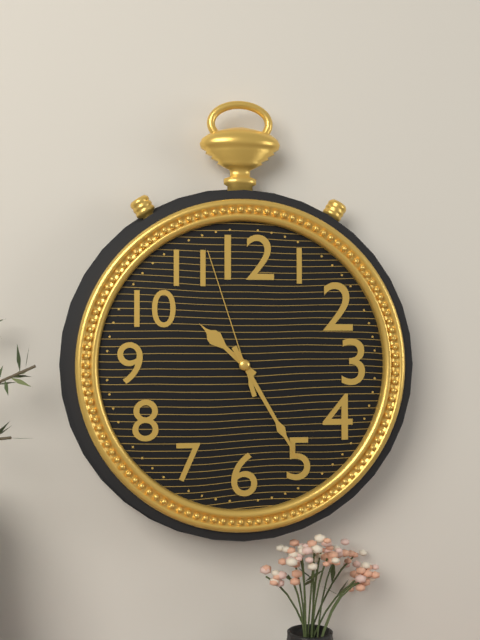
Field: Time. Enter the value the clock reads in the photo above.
10:25:57
